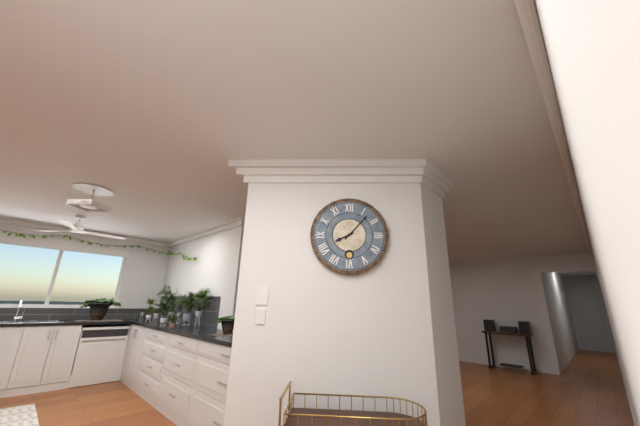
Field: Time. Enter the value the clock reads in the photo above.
8:07
